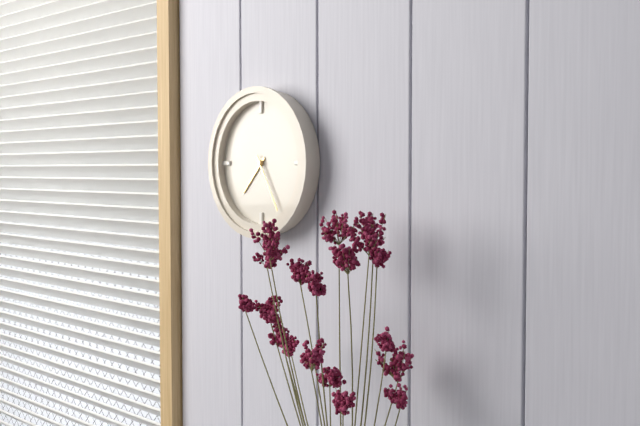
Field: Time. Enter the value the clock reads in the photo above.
7:25
